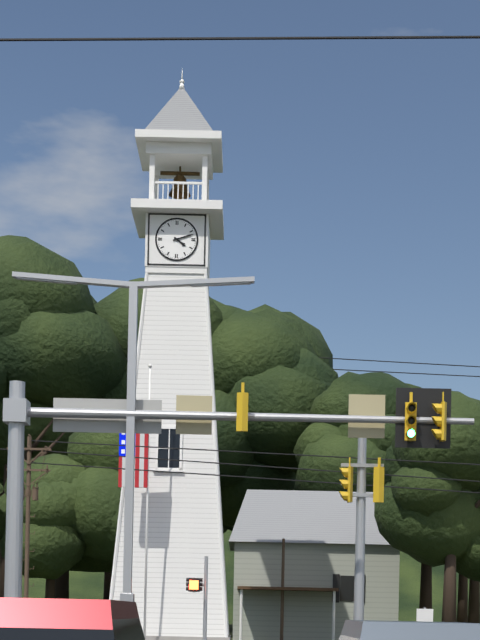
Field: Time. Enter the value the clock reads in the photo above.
4:12
